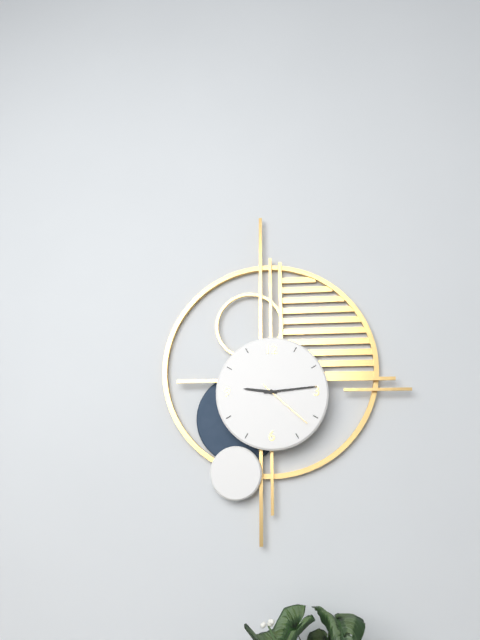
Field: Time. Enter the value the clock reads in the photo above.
9:14:22
